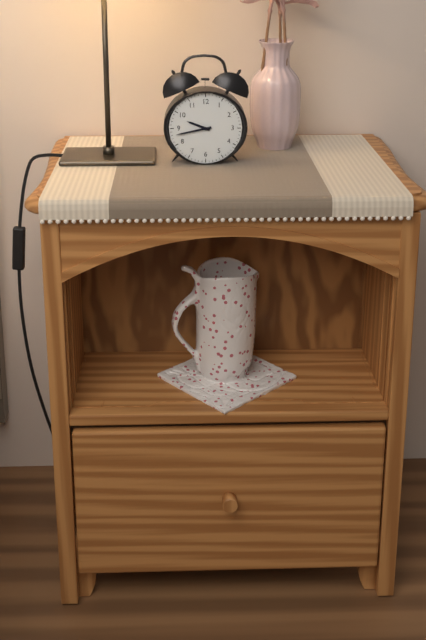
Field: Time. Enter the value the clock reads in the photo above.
9:43
